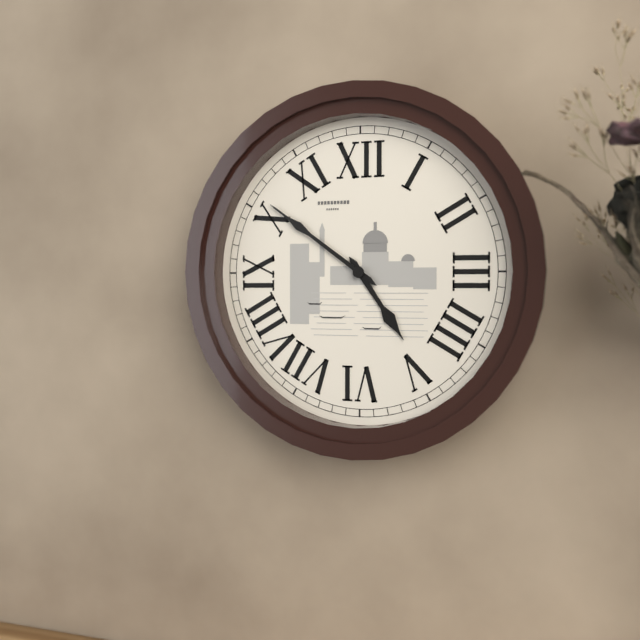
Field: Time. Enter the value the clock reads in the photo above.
4:51
